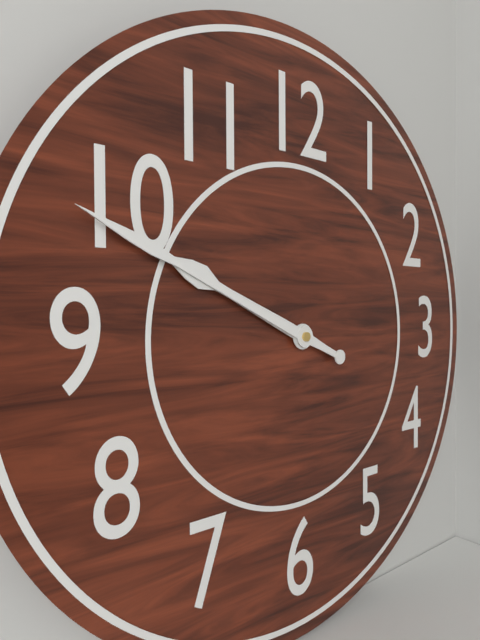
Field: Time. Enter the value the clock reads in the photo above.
9:49
